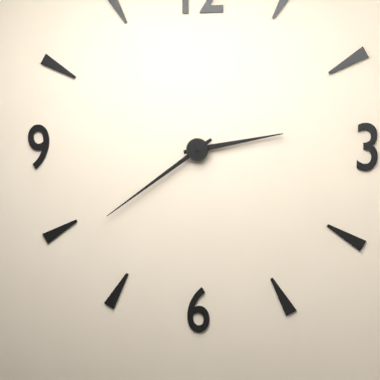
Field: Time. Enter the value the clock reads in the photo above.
2:39
